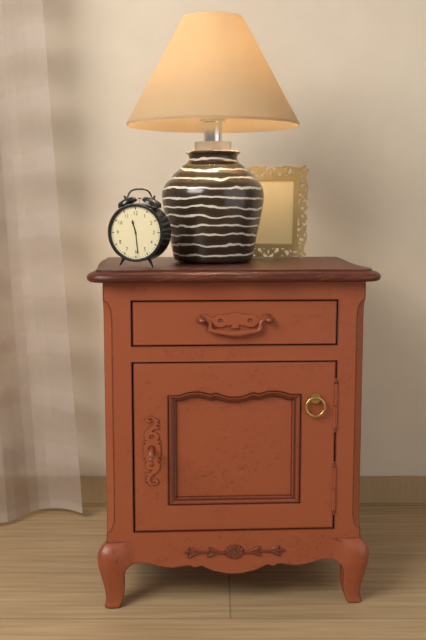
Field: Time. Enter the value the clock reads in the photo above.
11:29
